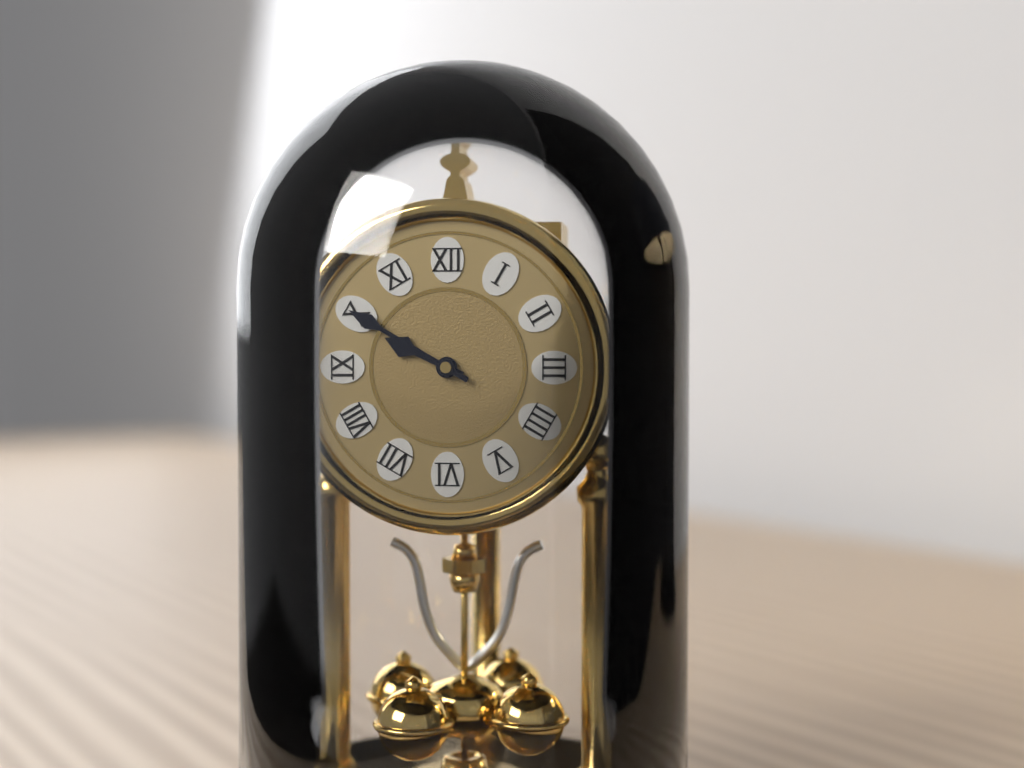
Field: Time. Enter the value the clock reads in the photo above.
9:50
